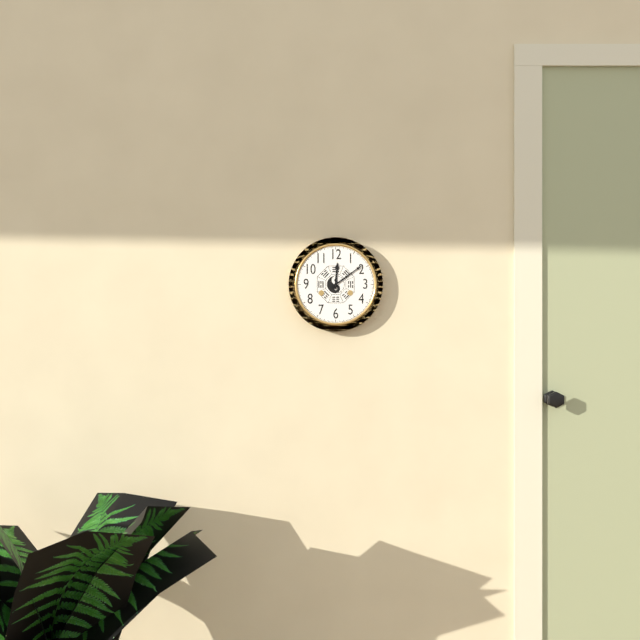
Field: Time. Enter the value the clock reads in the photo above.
12:09
